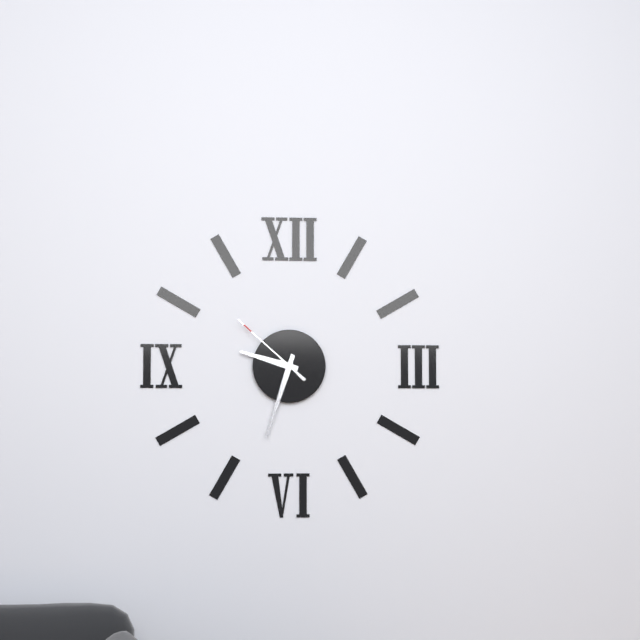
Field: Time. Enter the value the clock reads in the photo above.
9:33:52
